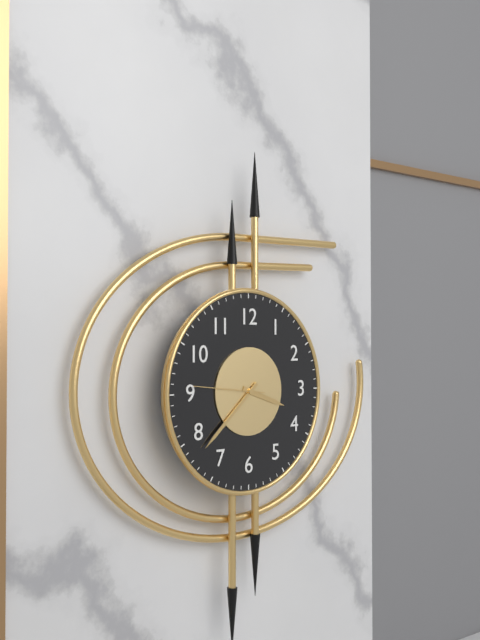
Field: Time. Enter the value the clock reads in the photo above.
3:38:46
